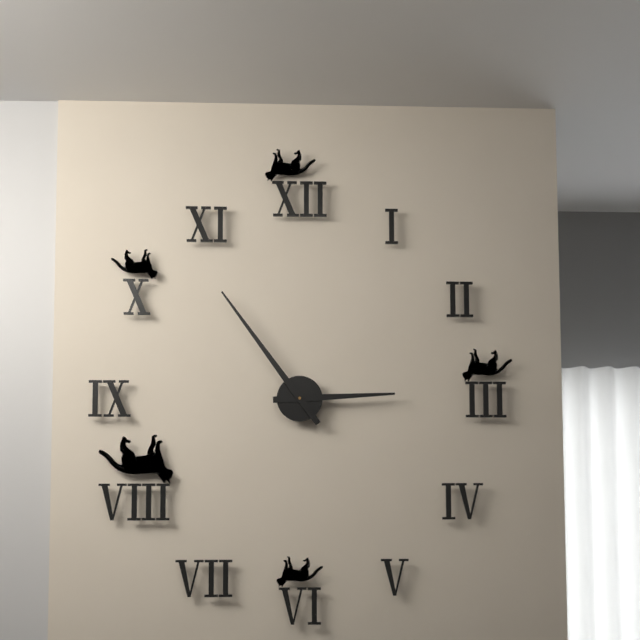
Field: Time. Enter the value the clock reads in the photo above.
2:54
